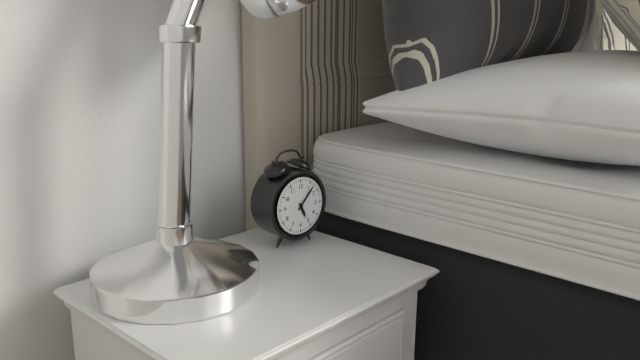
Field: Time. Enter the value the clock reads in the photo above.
5:07
